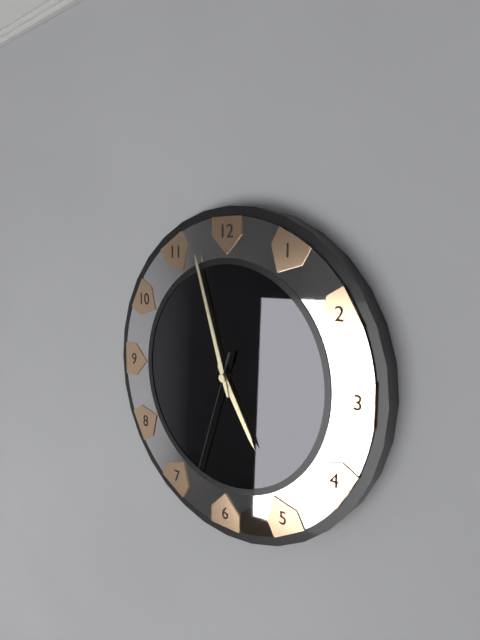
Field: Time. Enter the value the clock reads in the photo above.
4:57:33
